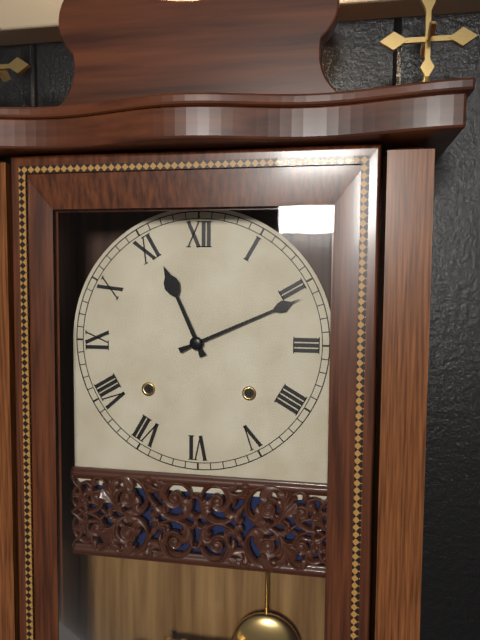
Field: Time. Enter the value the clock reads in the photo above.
11:11
